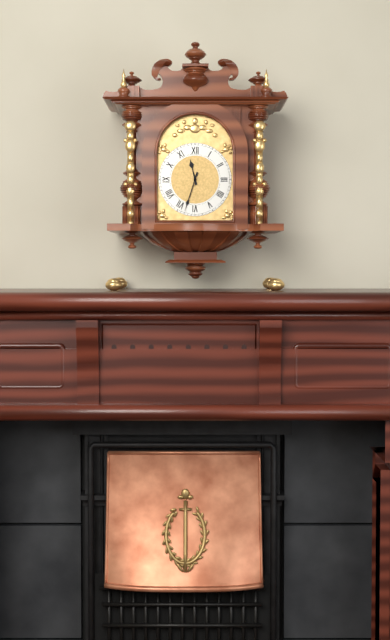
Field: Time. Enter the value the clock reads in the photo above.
11:33
